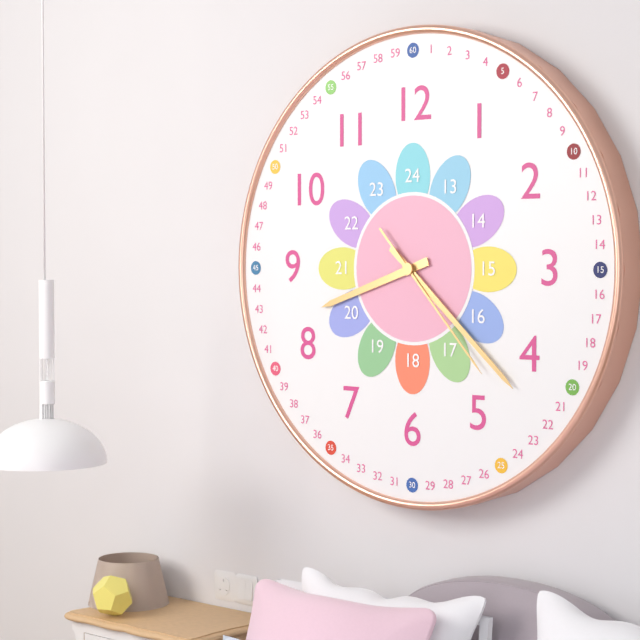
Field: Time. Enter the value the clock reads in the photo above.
8:22:23
